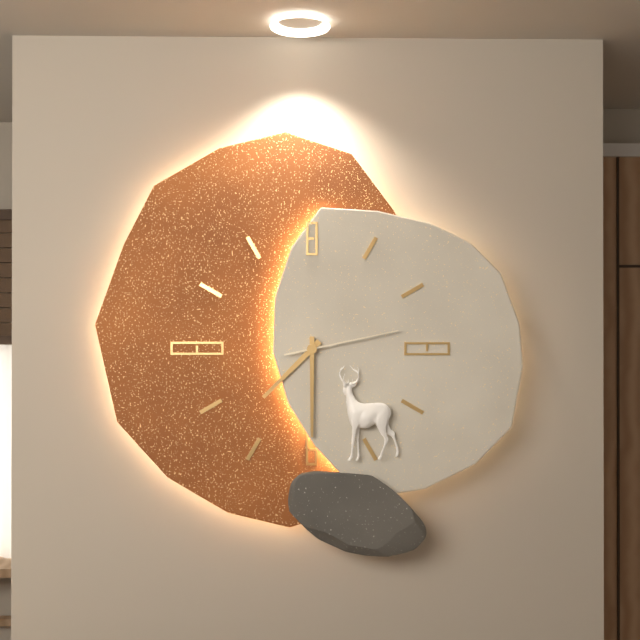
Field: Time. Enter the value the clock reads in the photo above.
7:30:13
